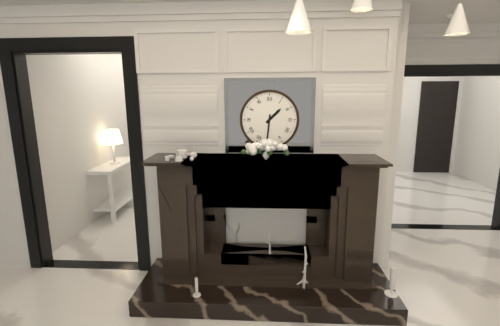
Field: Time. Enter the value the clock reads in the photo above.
1:31
